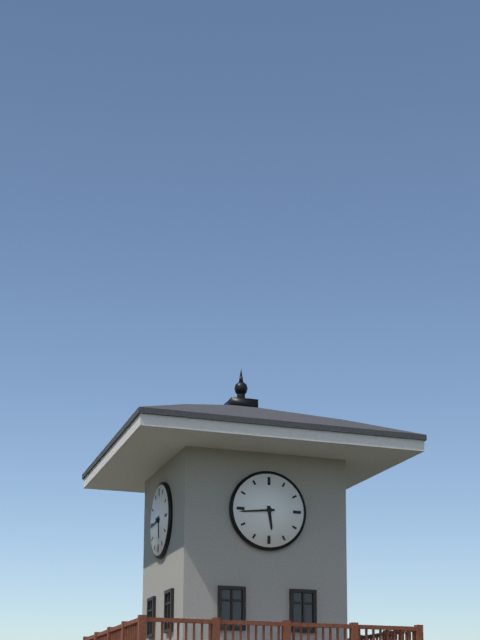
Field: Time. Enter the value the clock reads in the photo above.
5:44
